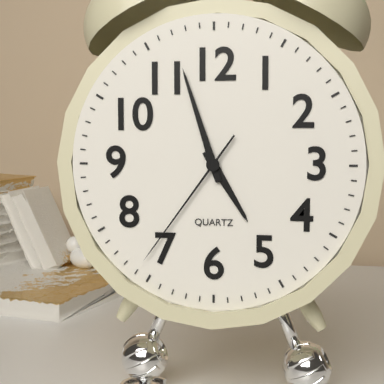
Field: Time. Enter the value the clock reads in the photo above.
4:57:36
